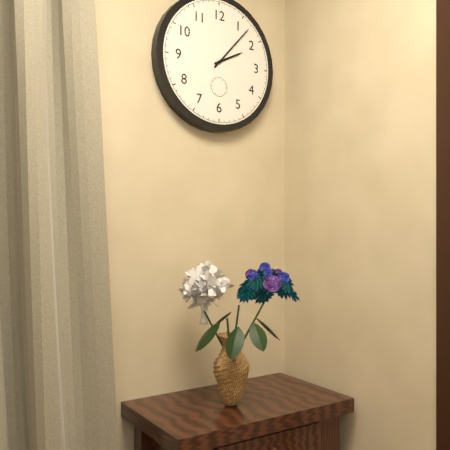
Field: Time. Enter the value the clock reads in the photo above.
2:07
